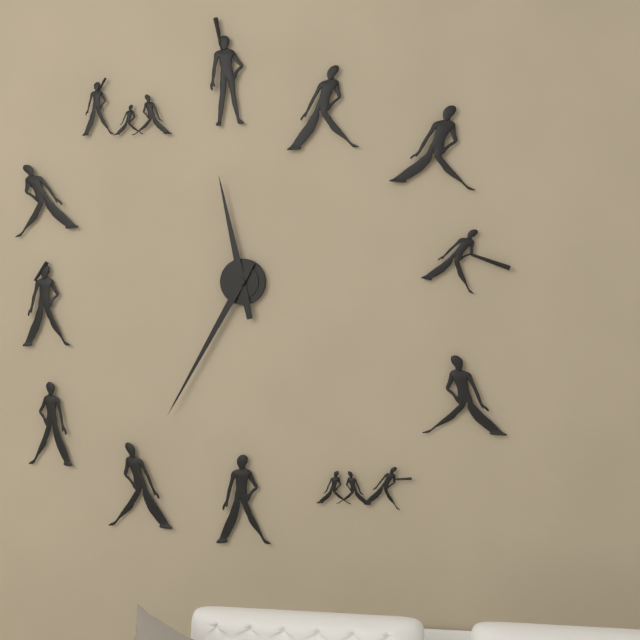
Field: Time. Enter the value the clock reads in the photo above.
11:35
